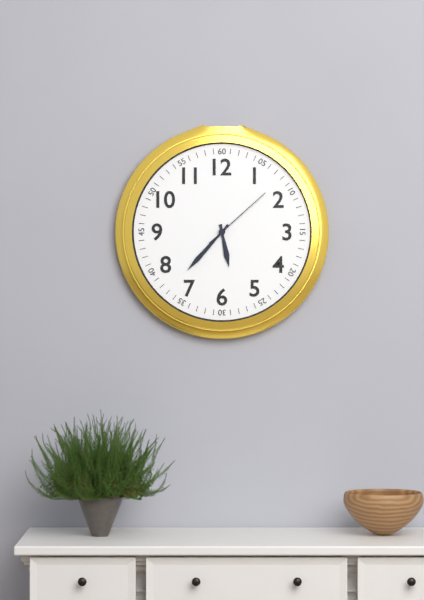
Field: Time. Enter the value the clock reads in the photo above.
5:37:08
